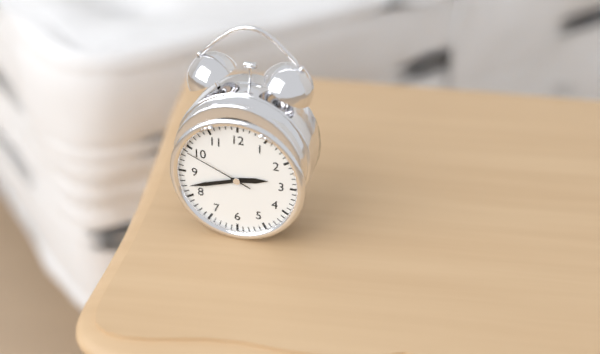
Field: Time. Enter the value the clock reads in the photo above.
2:42:49
